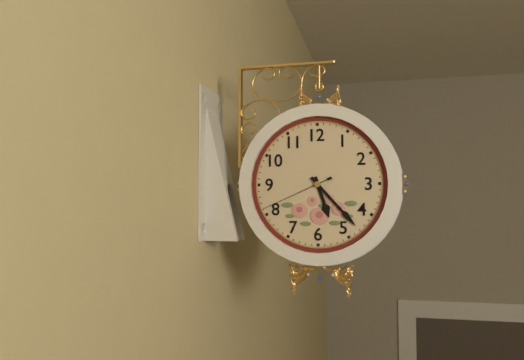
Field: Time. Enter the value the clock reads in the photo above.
5:23:41
